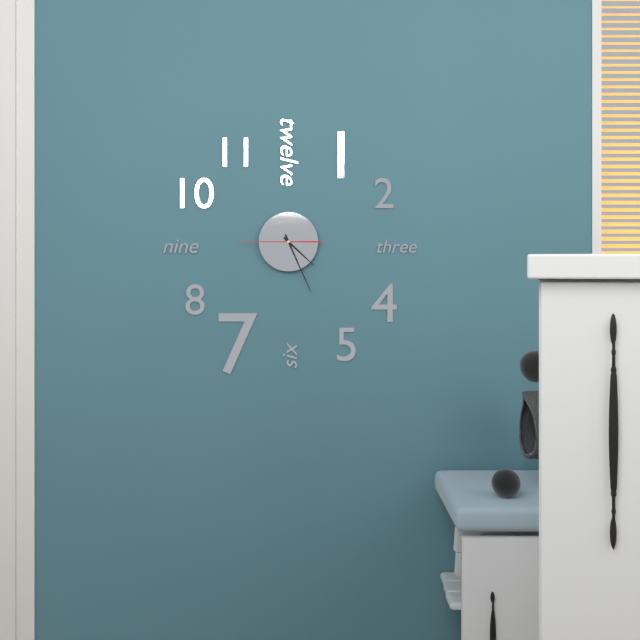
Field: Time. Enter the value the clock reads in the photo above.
4:26:45
